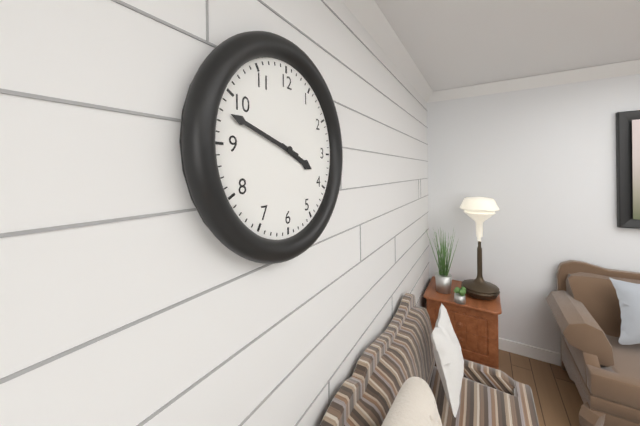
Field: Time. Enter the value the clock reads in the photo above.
3:48
